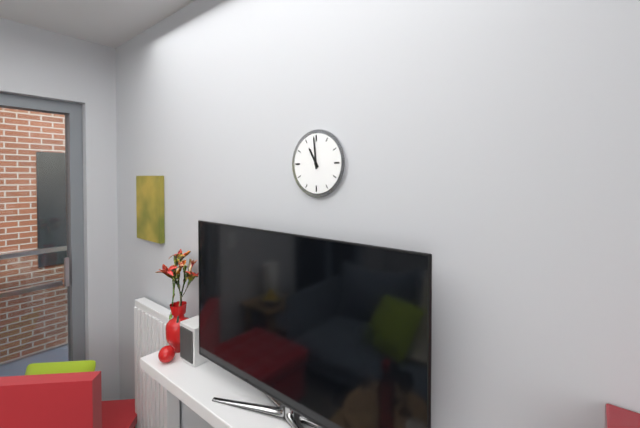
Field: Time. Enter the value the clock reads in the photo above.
10:59
